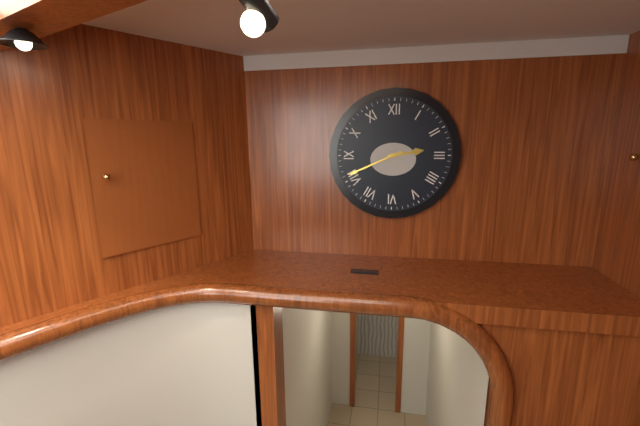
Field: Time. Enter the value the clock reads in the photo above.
2:41
